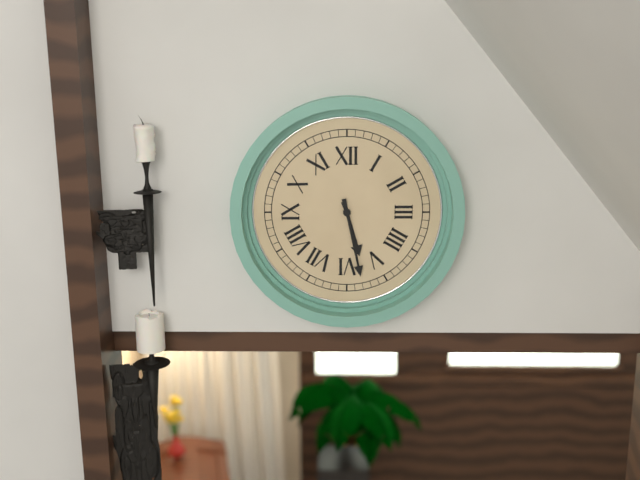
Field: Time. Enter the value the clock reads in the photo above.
5:28
